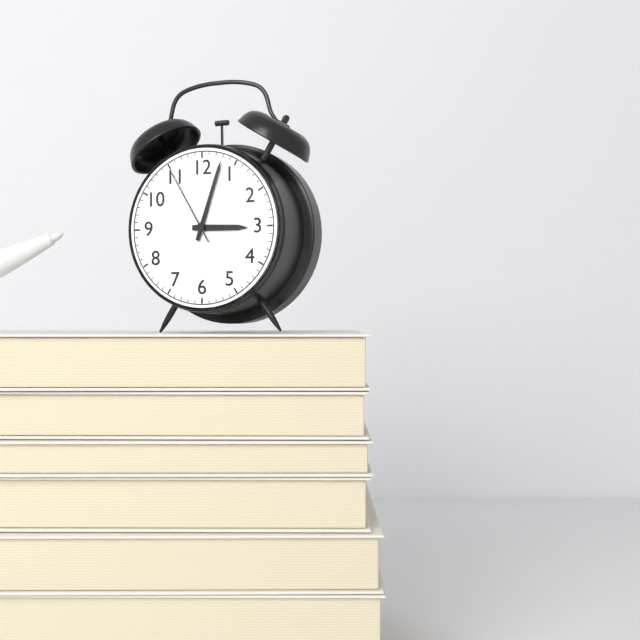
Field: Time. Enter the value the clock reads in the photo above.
3:03:55
